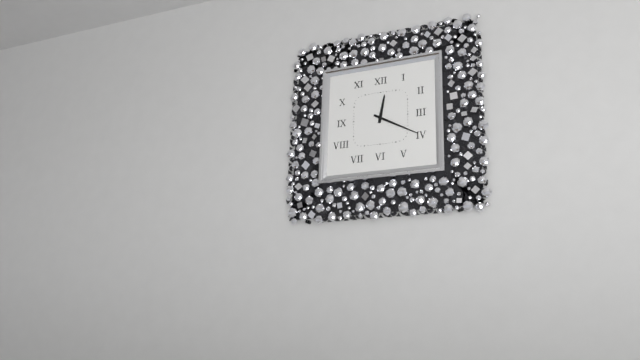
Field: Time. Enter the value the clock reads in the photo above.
12:20
